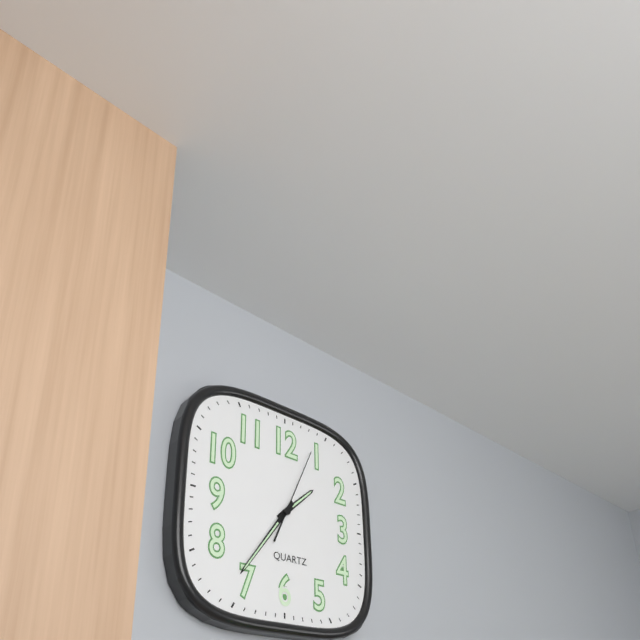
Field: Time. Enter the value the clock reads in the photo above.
1:36:04
